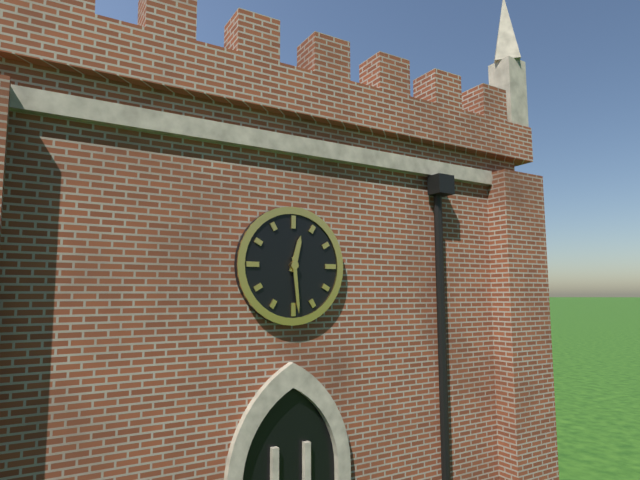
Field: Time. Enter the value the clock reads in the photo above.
12:29
